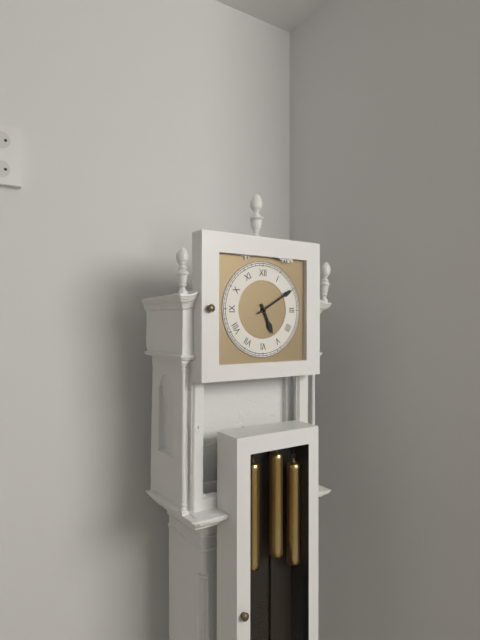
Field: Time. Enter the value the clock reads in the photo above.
5:10
